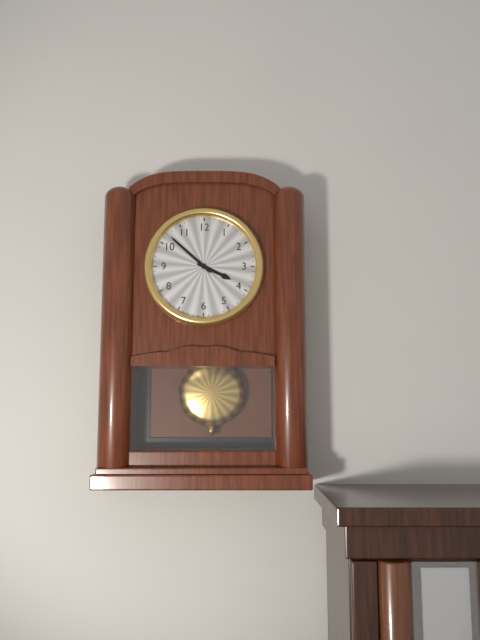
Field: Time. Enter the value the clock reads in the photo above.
3:52
